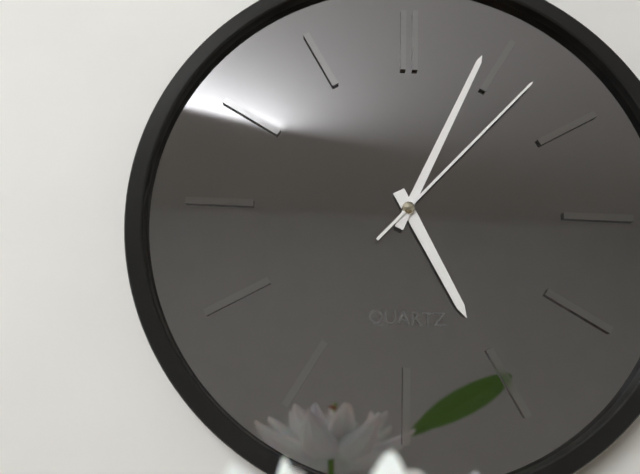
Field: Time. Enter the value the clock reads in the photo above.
5:04:07
